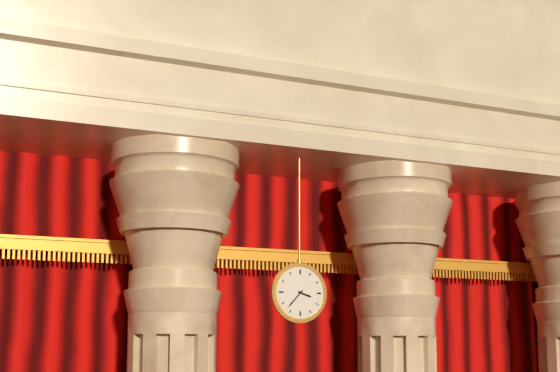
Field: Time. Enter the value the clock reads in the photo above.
3:37
